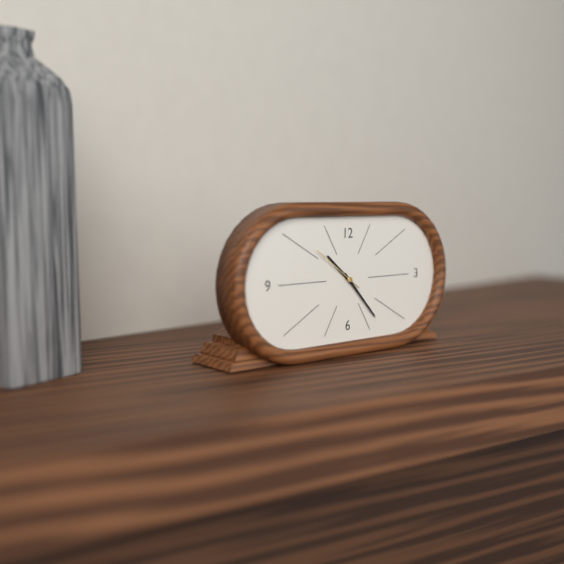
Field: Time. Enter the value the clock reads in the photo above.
10:23:51
